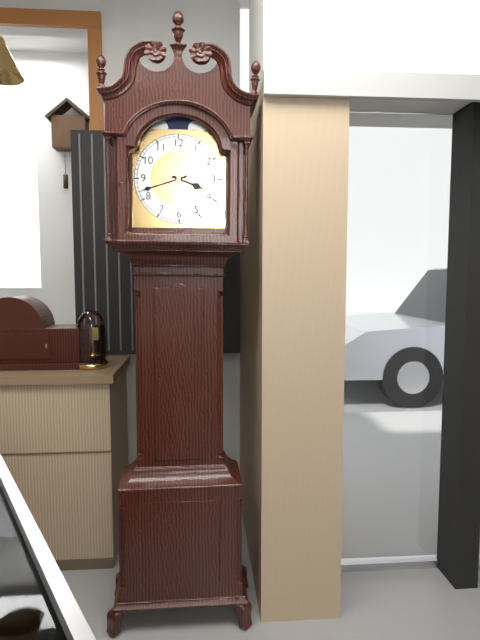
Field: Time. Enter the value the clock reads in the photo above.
3:42
